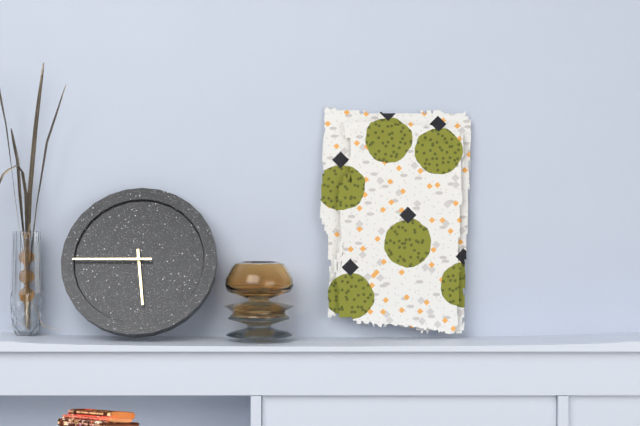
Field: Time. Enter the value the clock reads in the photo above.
5:45
